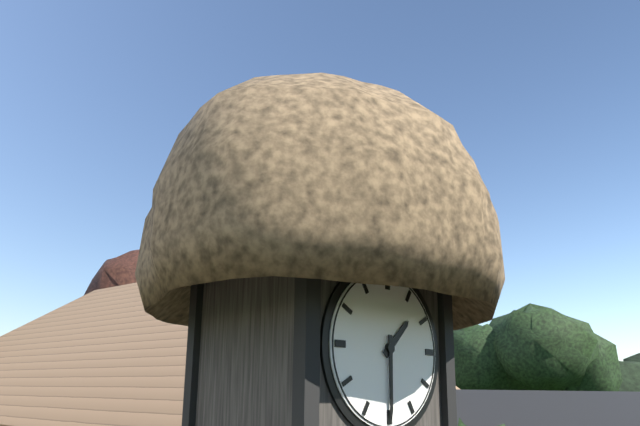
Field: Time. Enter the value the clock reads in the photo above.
1:30
